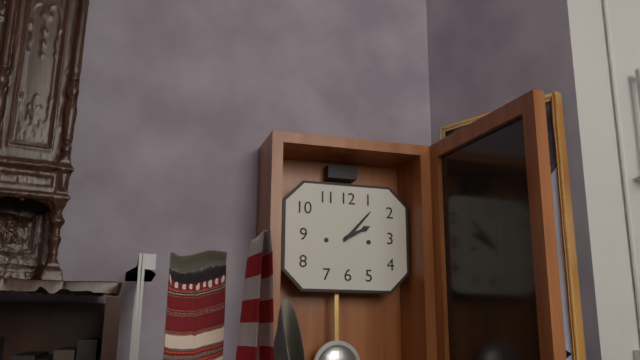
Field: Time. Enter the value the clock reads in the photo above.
2:07
